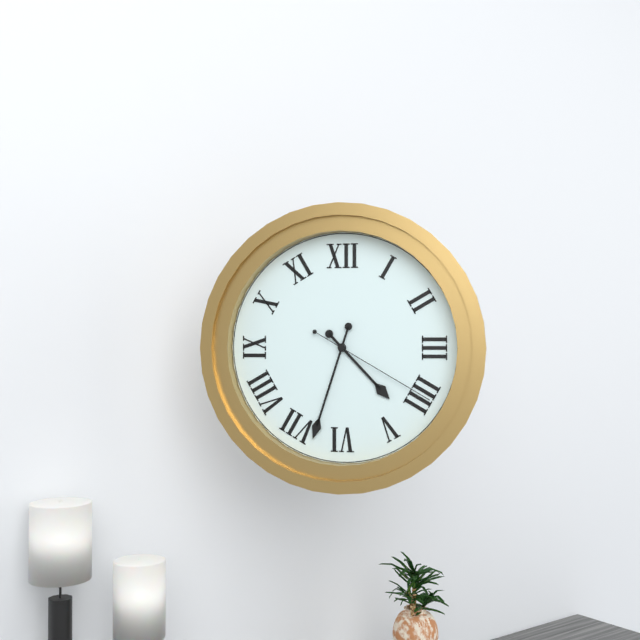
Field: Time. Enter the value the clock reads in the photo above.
4:33:20
